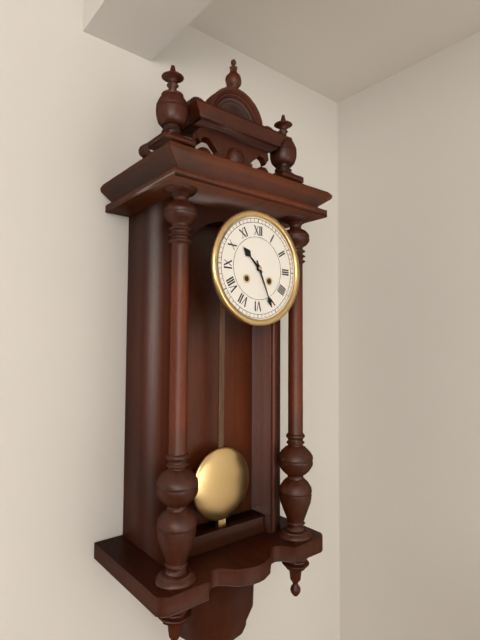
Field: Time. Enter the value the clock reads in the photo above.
10:26
